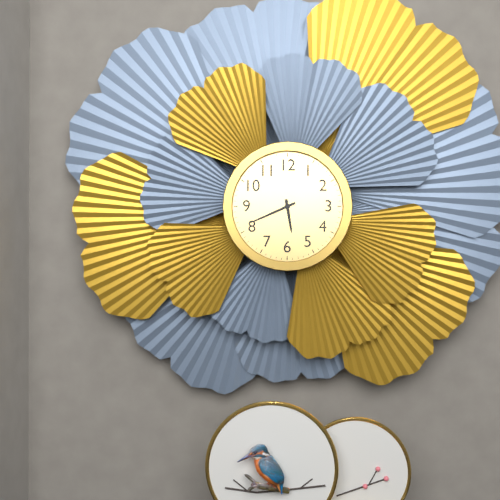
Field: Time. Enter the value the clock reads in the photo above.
5:41
